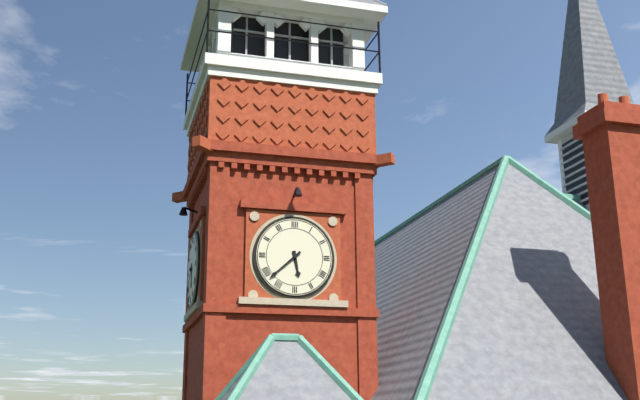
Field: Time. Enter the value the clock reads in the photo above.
5:38
